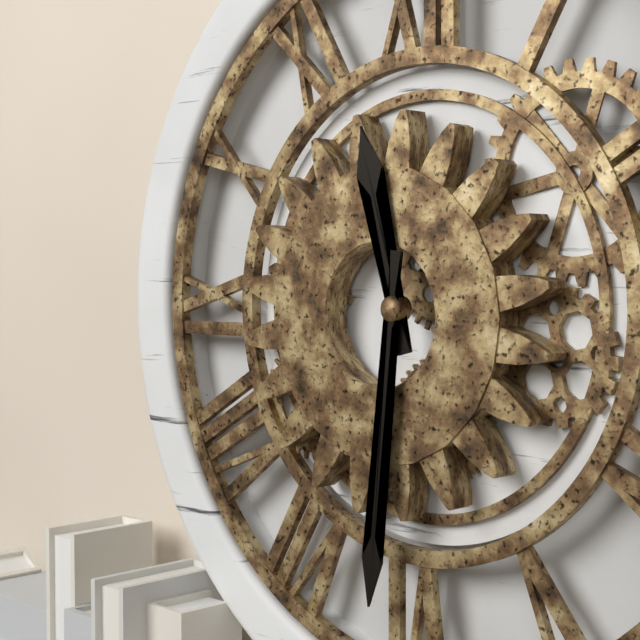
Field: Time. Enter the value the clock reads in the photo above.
11:31
